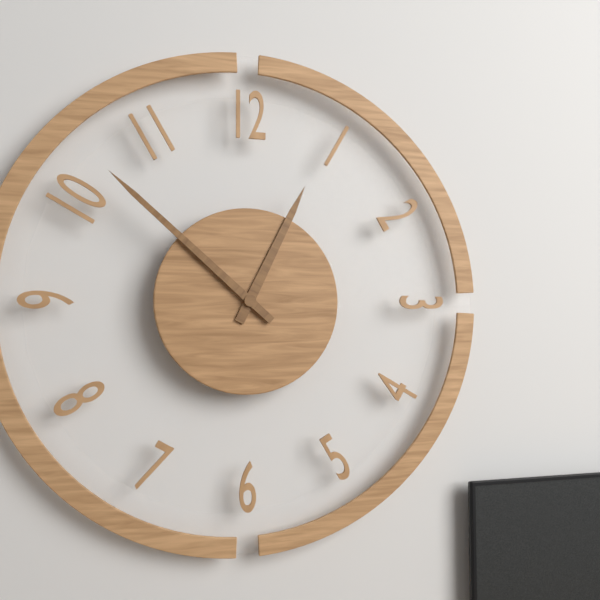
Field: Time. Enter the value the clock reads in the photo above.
12:52
